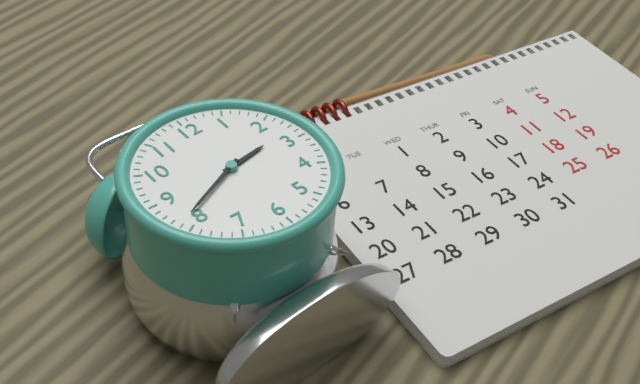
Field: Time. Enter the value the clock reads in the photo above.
2:41
